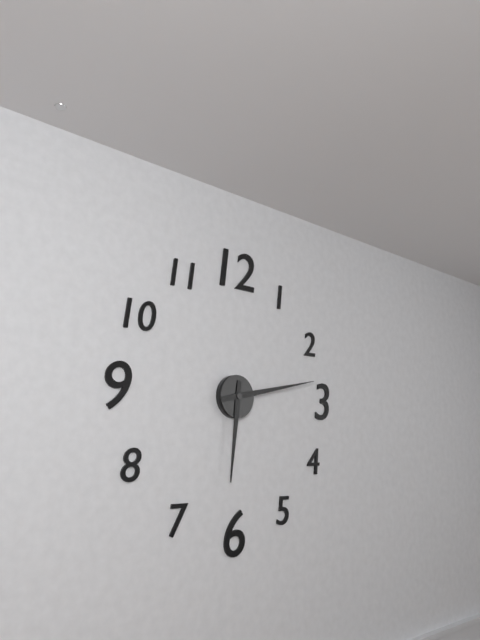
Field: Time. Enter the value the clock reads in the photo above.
6:13
